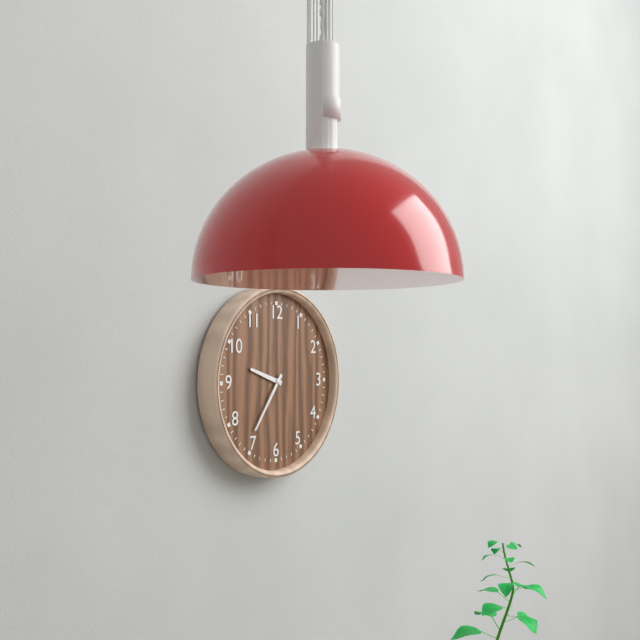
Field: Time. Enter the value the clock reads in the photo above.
9:36
